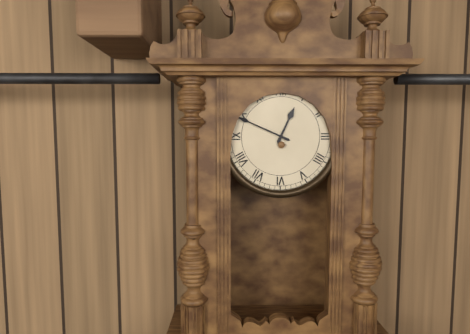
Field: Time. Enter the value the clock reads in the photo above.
12:49
